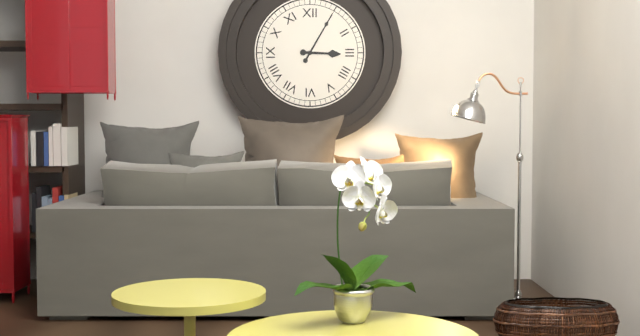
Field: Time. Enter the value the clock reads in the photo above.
3:05
